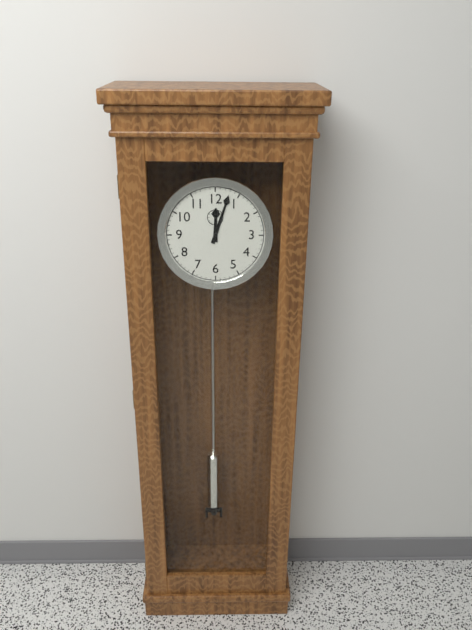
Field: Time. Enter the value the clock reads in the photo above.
12:03
